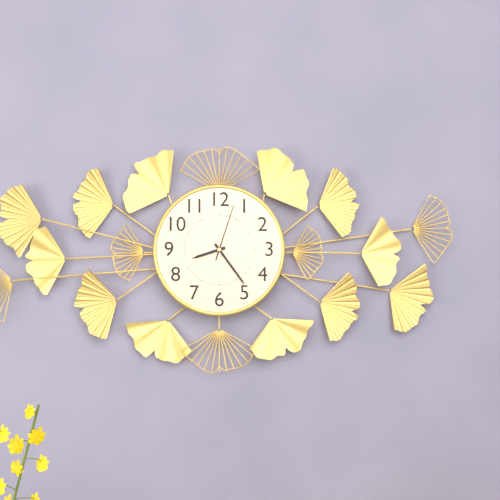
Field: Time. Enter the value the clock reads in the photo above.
8:24:03
